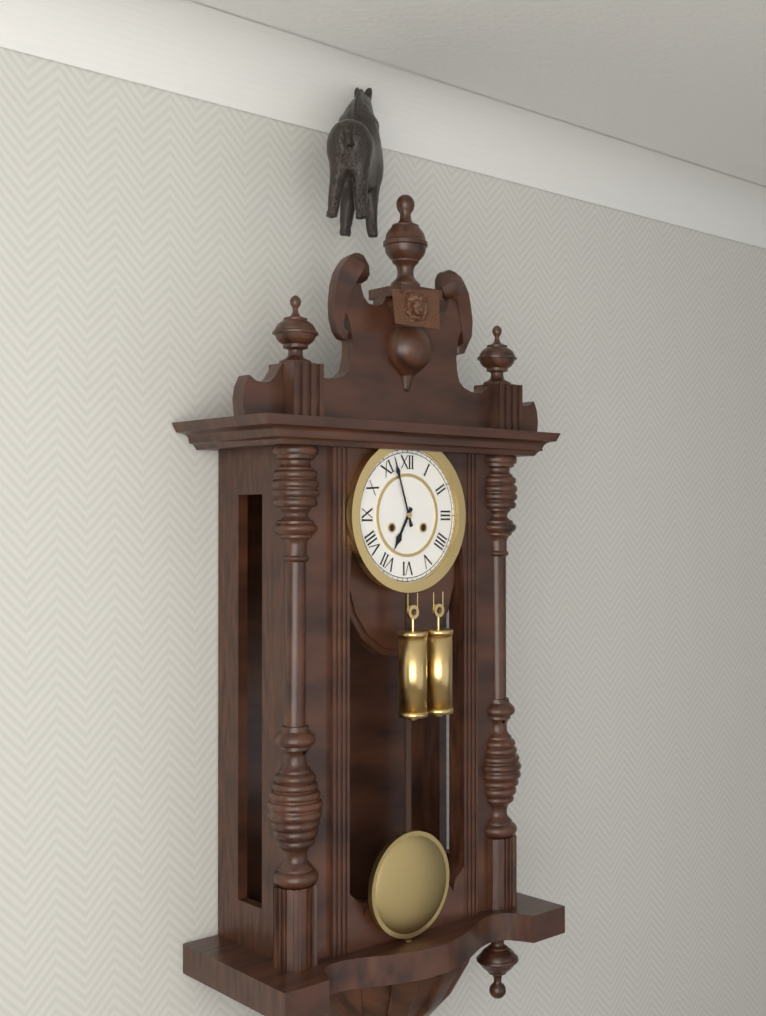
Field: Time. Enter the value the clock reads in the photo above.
6:57
